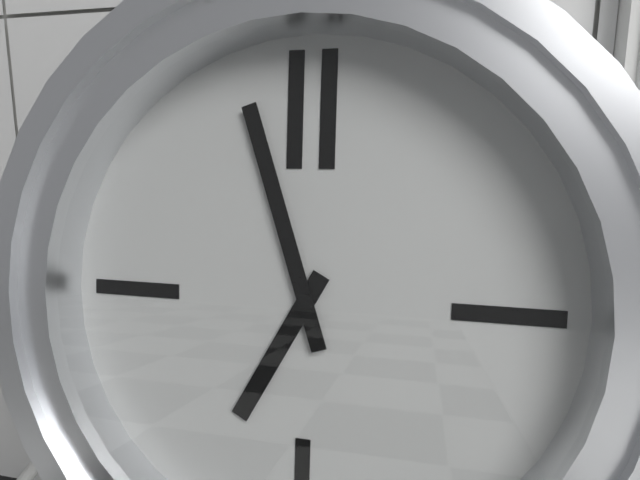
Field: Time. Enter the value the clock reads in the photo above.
6:57
